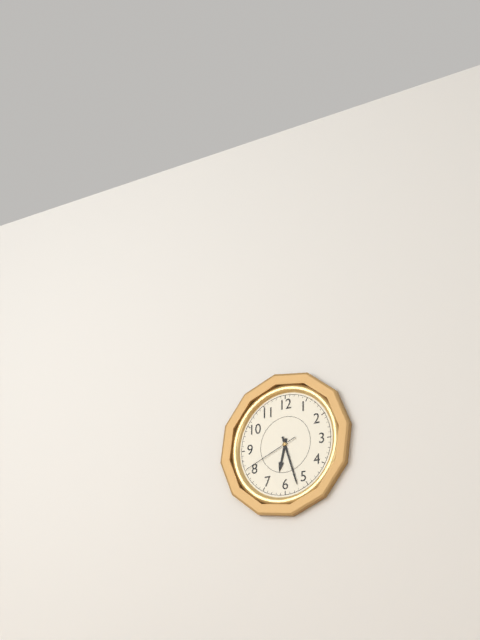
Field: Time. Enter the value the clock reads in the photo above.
6:27:41
